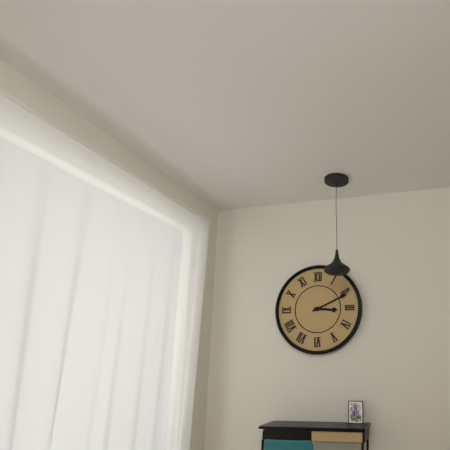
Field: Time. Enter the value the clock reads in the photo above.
3:11
